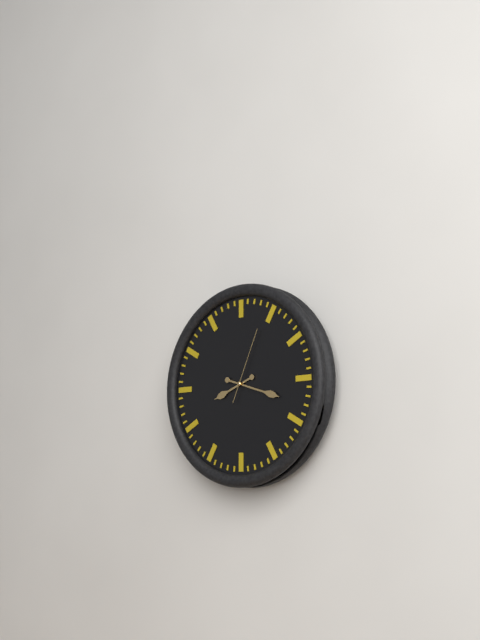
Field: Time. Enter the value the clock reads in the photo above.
8:18:04
